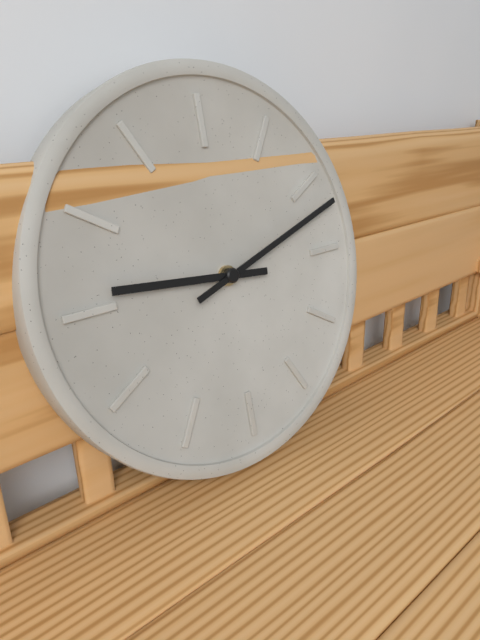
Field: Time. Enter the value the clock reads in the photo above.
9:12
